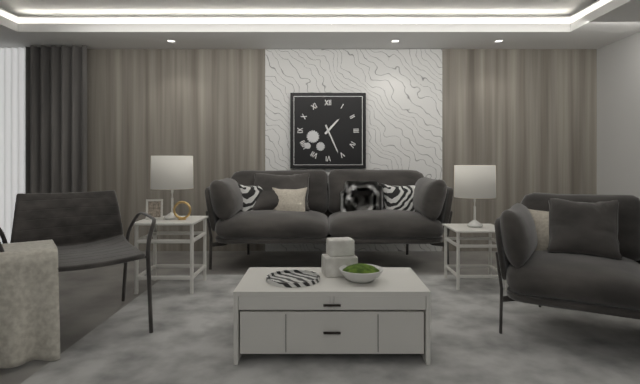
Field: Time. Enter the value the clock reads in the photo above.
1:26
